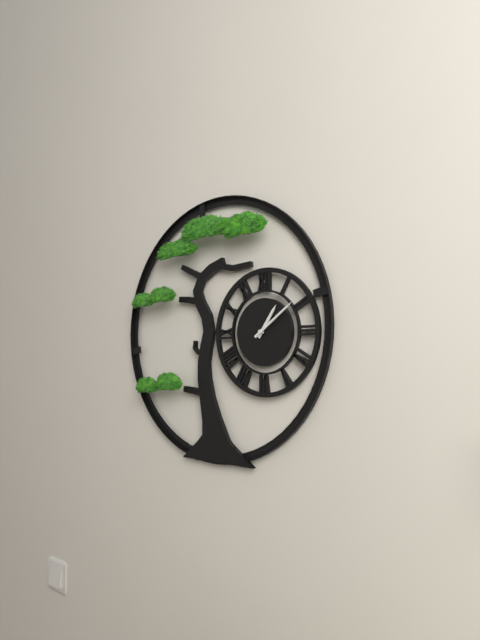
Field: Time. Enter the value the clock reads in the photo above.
1:09
